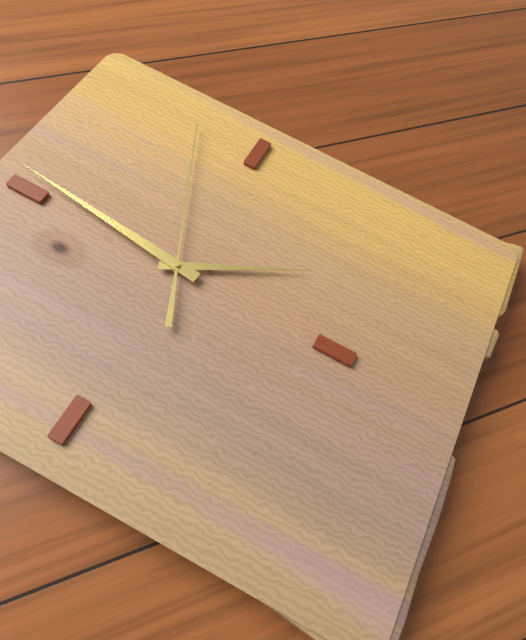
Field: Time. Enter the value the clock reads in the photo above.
5:01:11
